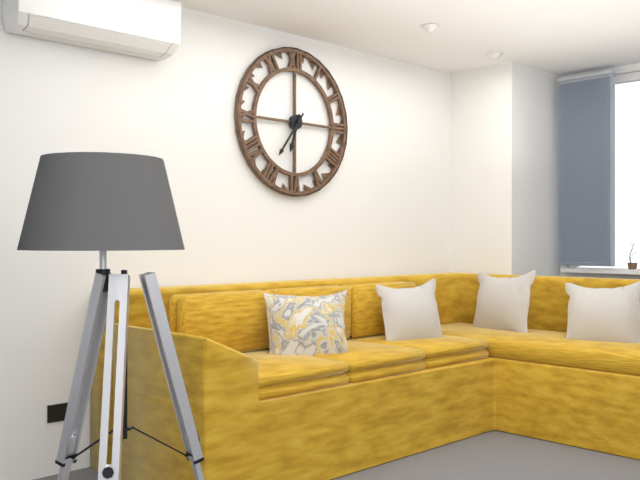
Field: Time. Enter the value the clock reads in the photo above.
6:36
